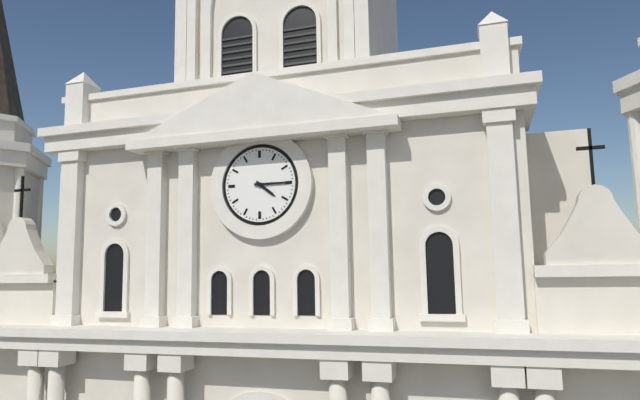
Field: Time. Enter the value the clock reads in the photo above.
4:15
